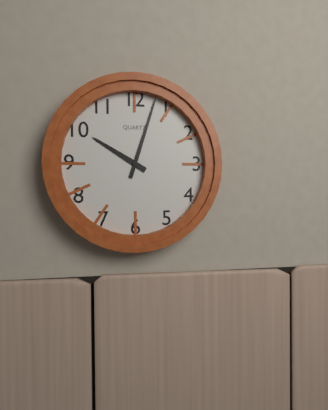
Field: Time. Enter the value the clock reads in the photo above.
10:03
